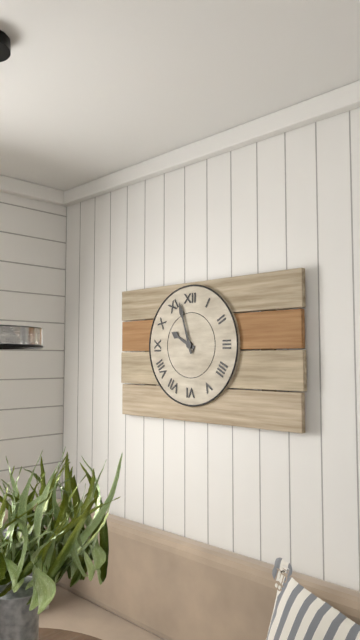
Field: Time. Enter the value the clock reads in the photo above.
9:57
